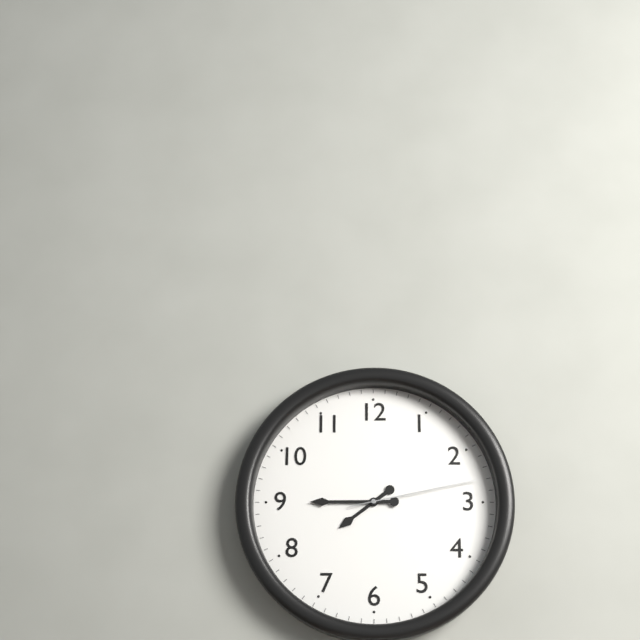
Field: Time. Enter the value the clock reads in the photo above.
7:45:13
